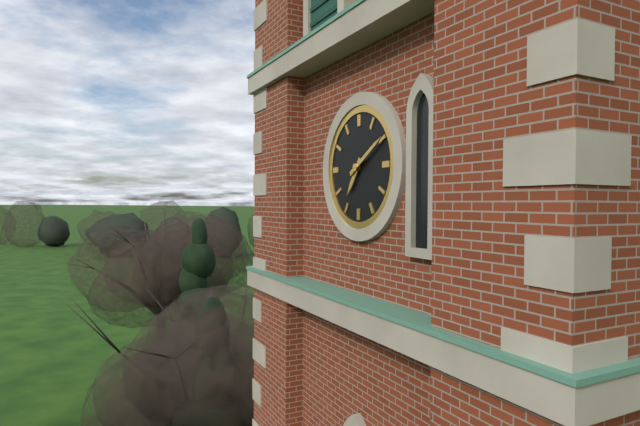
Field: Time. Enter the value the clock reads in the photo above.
7:10
